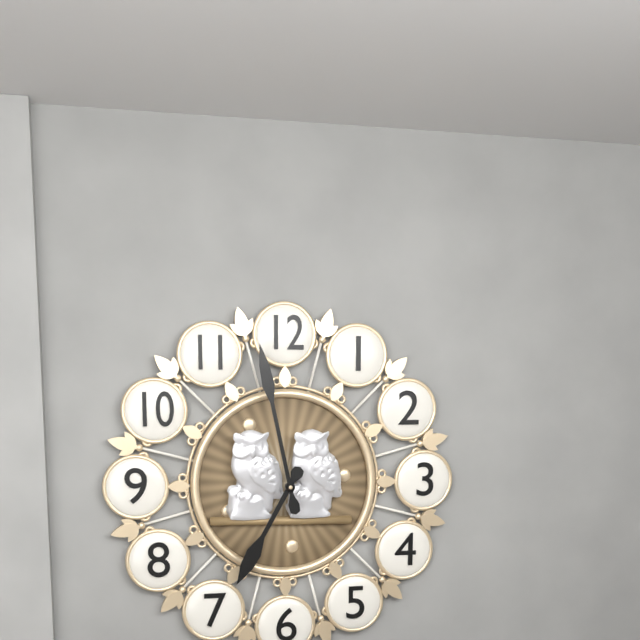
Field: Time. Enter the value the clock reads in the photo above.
6:58
